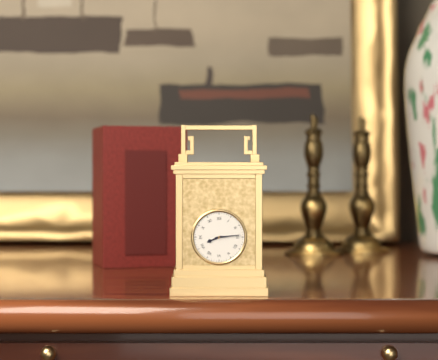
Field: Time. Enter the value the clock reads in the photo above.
8:14
